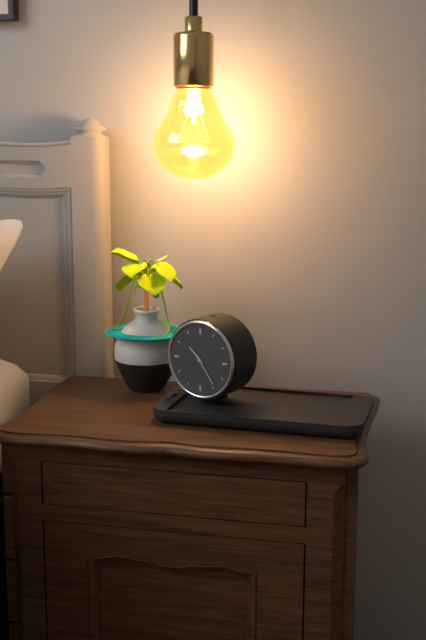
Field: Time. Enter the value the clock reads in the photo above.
10:24
